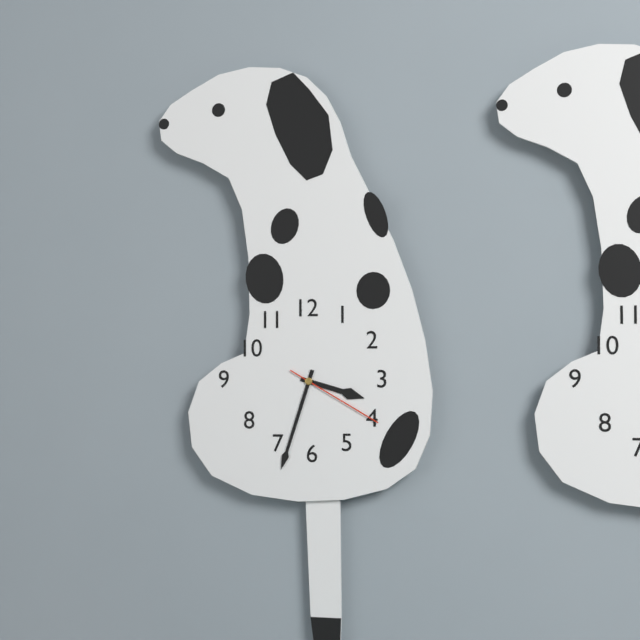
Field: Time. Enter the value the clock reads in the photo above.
3:33:20
